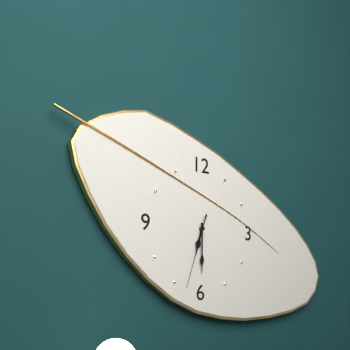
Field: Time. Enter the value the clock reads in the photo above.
6:30:33
